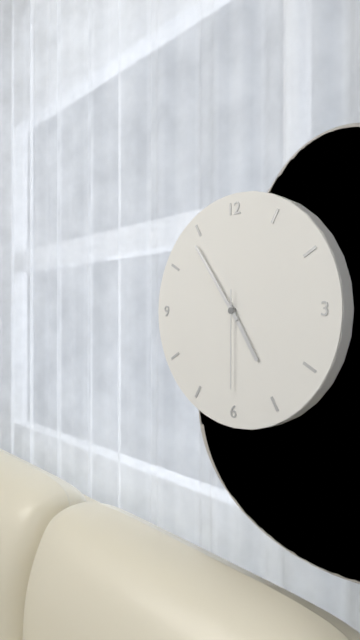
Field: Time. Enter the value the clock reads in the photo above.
4:54:30
